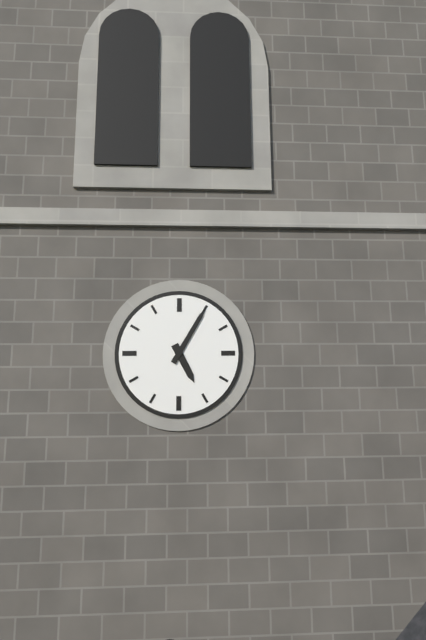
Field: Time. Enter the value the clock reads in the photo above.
5:05
